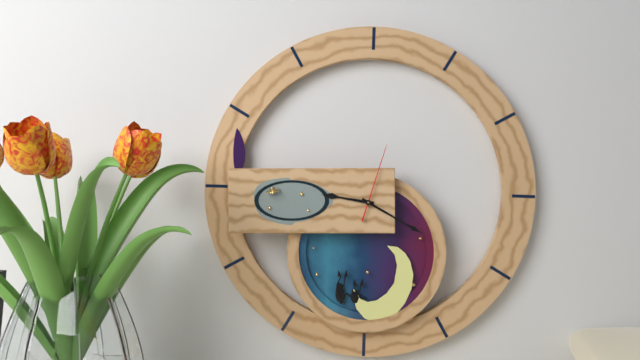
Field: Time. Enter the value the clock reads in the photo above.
9:20:03
